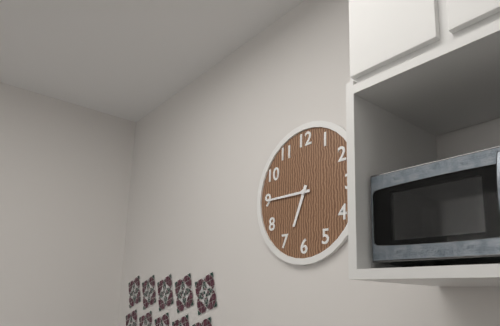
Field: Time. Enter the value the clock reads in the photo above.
6:45
